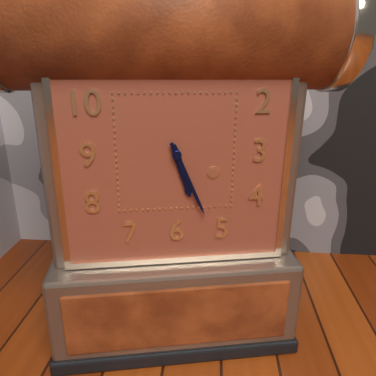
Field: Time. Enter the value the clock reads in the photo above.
5:26
